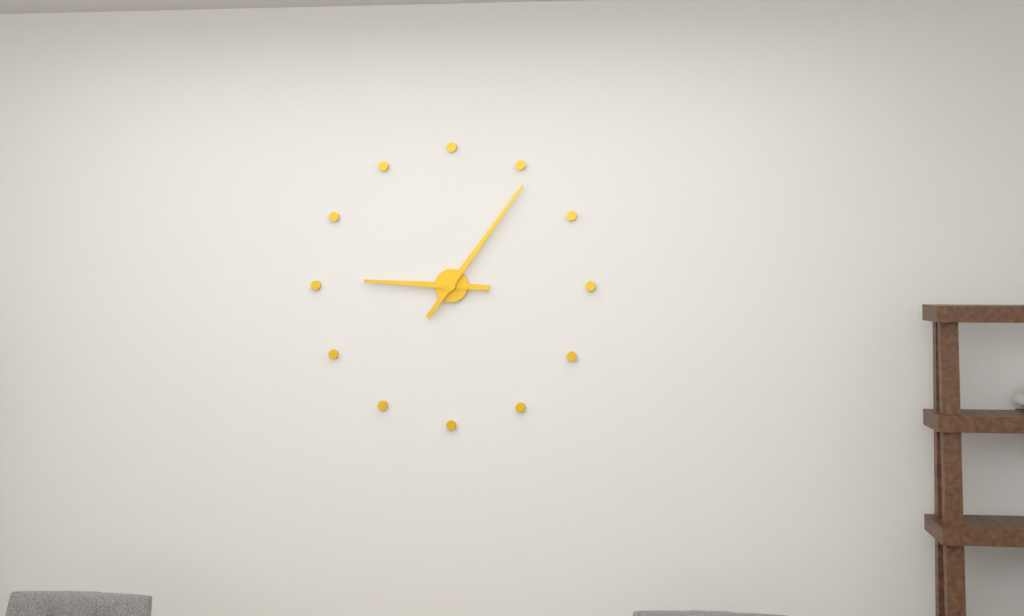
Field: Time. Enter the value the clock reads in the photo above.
9:06
